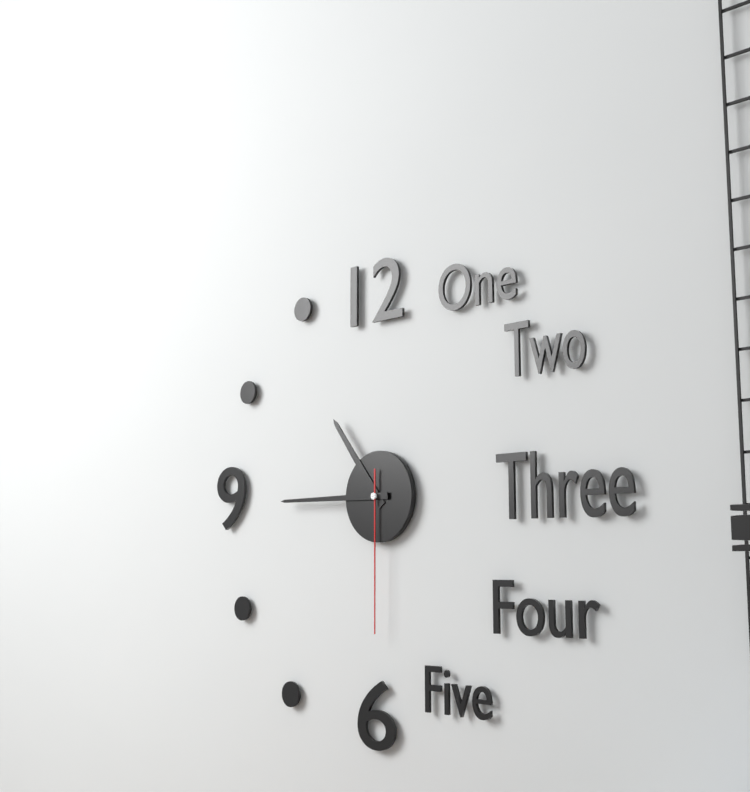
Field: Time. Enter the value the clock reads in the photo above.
10:45:30
